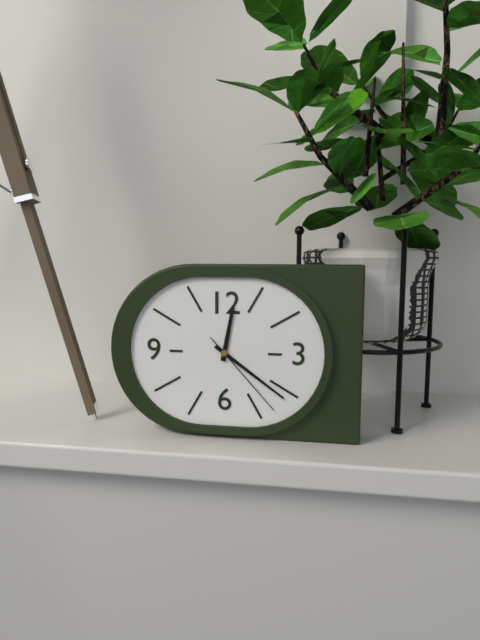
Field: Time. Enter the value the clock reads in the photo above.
12:21:23
